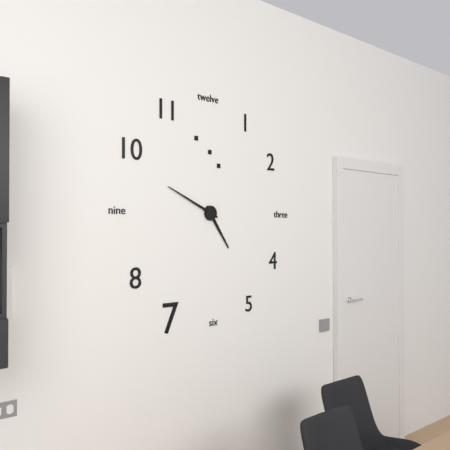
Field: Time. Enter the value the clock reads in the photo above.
4:49
